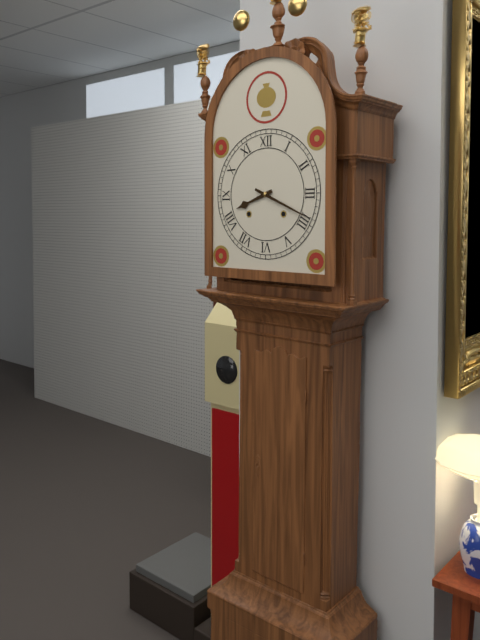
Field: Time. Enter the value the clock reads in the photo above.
8:19
